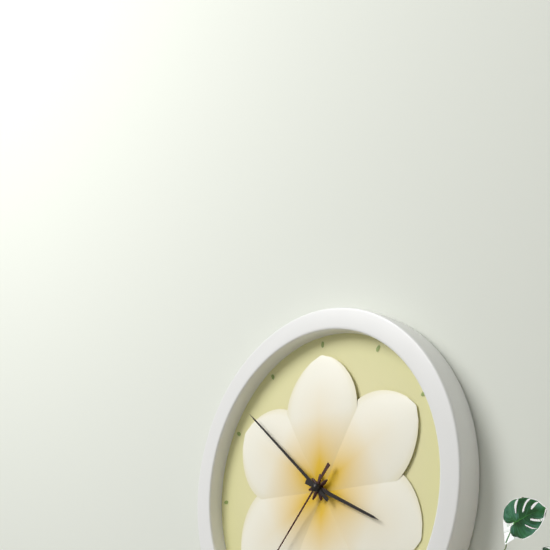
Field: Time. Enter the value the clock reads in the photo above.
3:52
